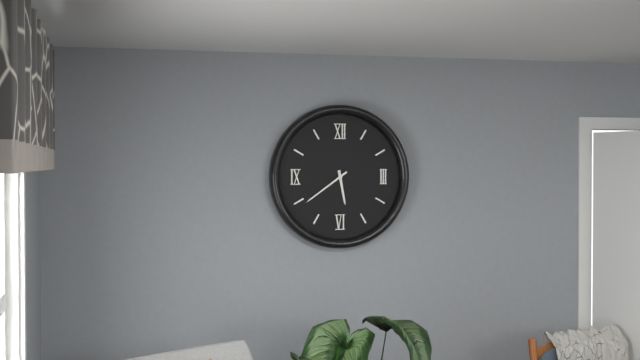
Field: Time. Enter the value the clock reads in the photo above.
5:39
